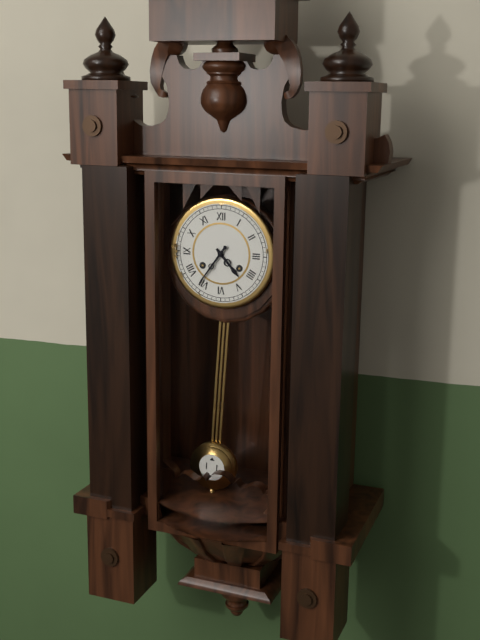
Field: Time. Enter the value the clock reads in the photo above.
4:36
